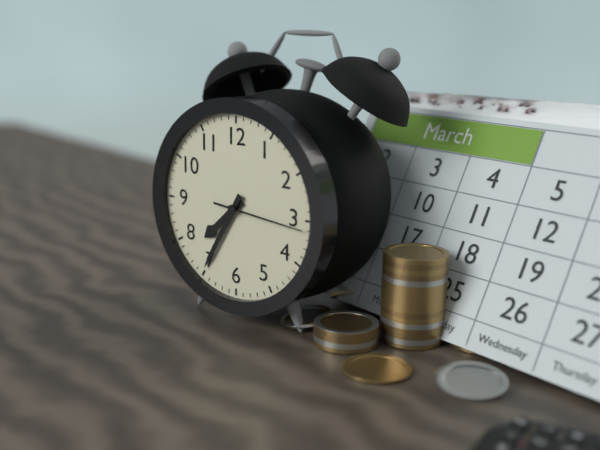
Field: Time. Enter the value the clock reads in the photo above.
7:35:16
